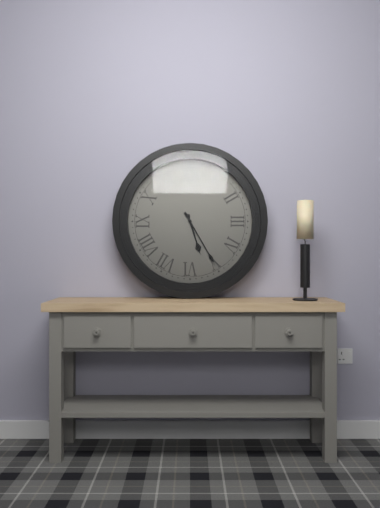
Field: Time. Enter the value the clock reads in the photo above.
5:25
